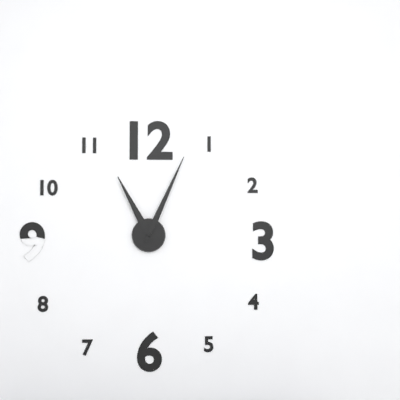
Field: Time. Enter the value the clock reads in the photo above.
11:04
